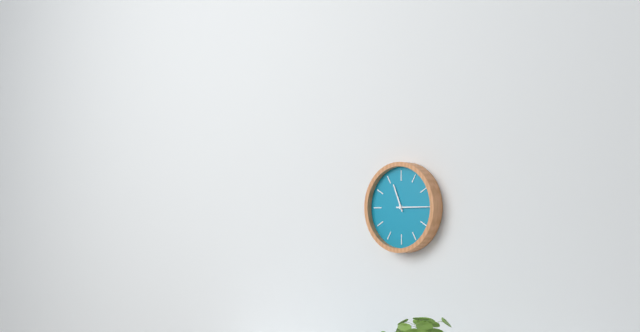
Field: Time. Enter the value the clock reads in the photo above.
11:15
